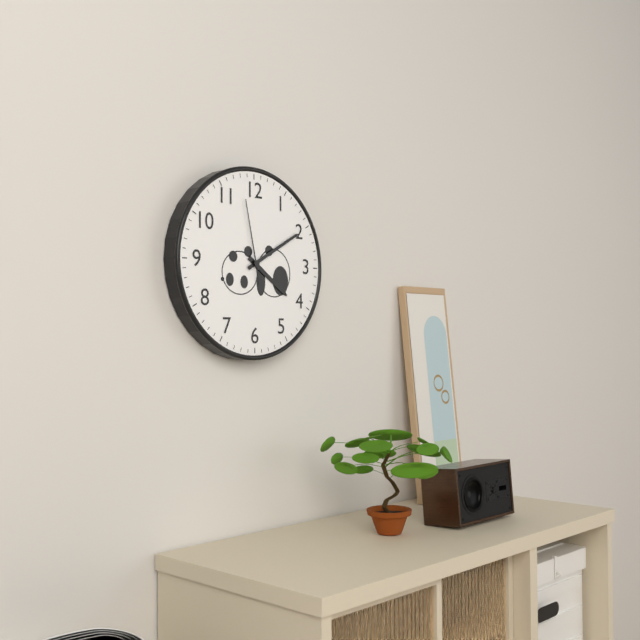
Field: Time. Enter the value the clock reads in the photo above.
4:10:58
